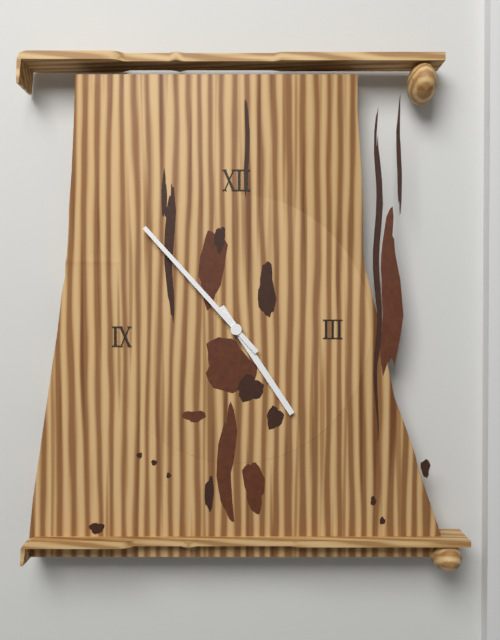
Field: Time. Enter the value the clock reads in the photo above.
4:53
